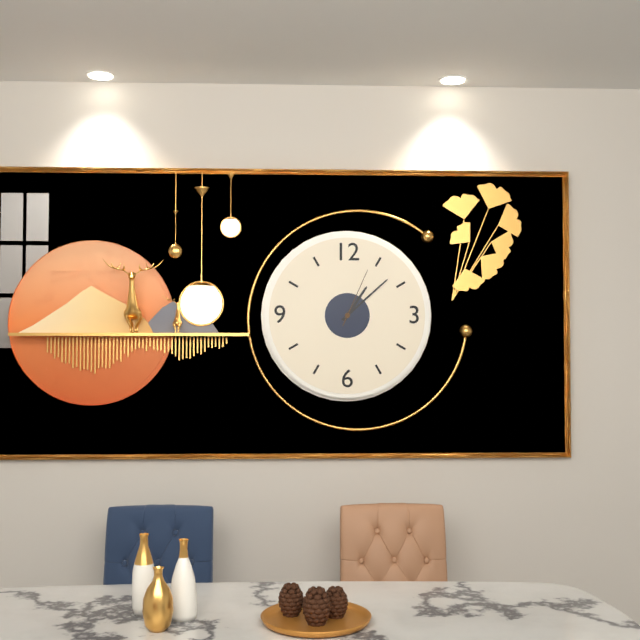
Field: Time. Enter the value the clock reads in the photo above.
1:08:04
